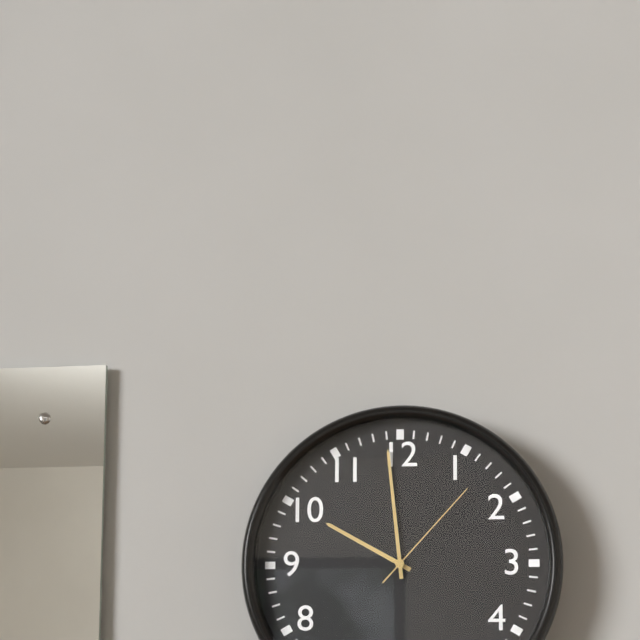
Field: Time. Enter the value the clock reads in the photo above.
9:59:07
